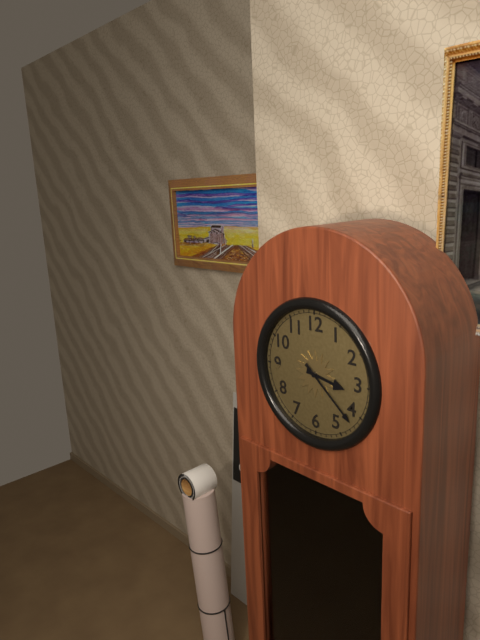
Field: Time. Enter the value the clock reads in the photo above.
3:22
